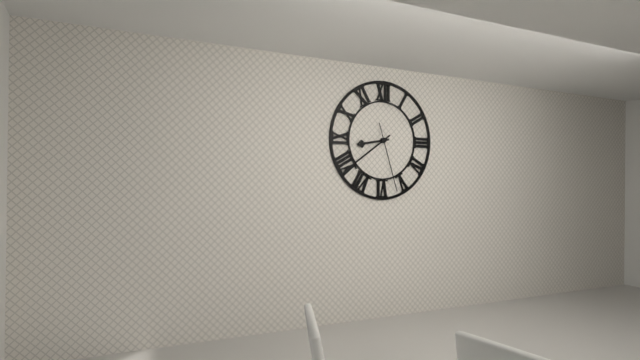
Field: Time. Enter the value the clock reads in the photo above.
8:39:27
